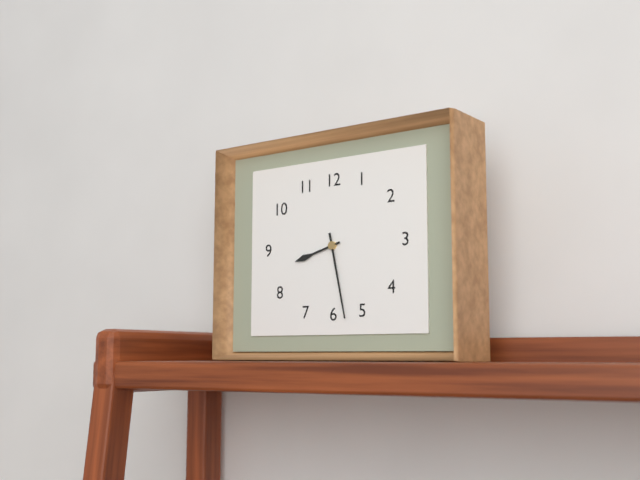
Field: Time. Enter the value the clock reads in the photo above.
8:28
